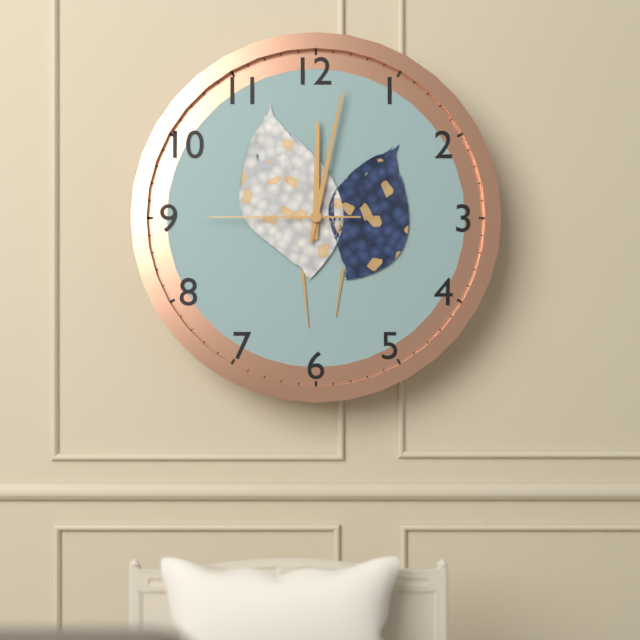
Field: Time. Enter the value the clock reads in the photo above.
12:02:45
